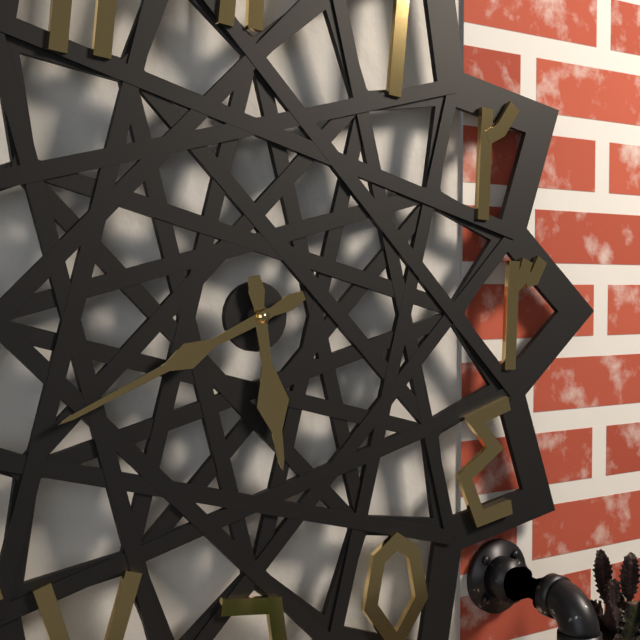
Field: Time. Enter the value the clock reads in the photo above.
5:41
